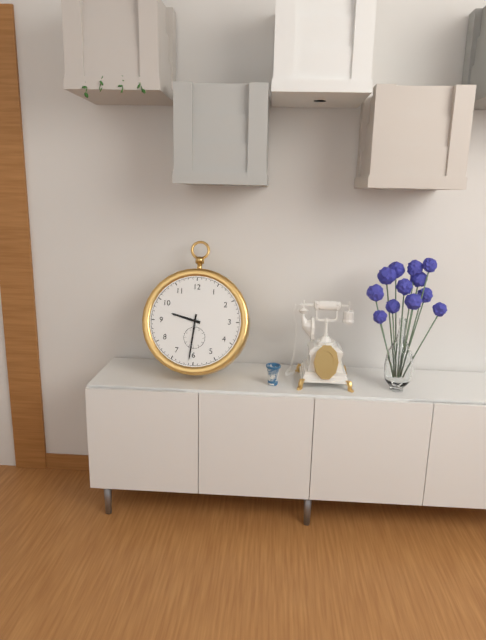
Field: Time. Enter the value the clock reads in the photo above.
9:31
